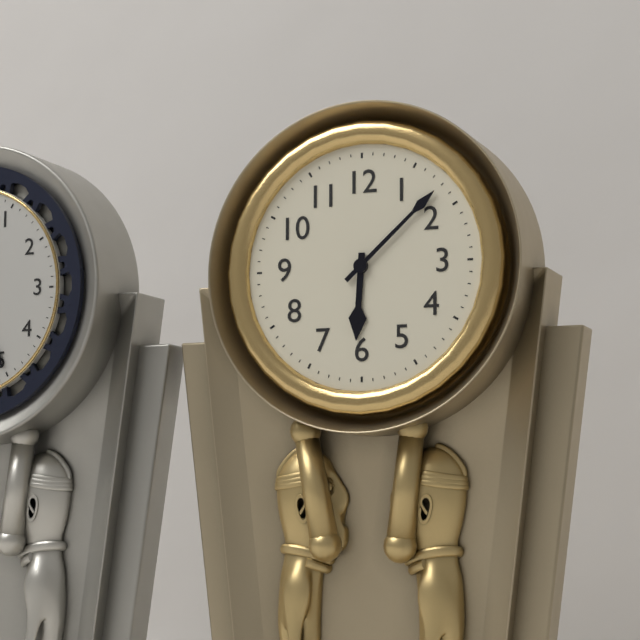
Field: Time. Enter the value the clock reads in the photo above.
6:08
